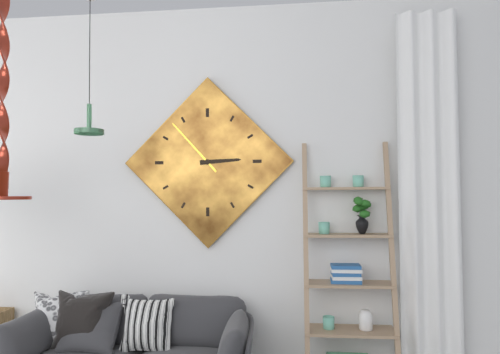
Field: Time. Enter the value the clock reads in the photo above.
2:53
